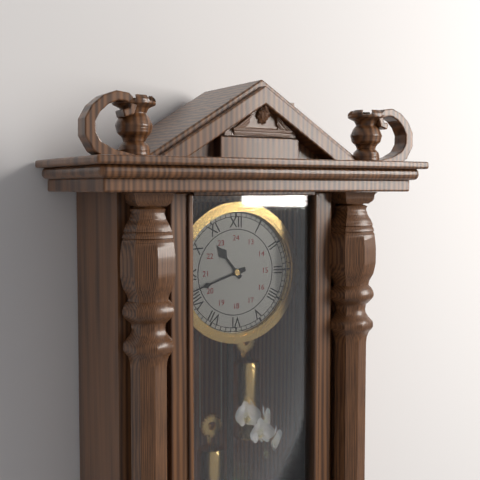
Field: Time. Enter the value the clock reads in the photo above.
10:42
